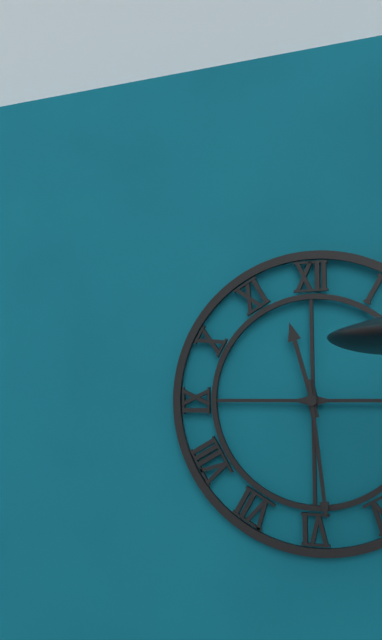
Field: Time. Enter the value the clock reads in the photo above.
11:29
